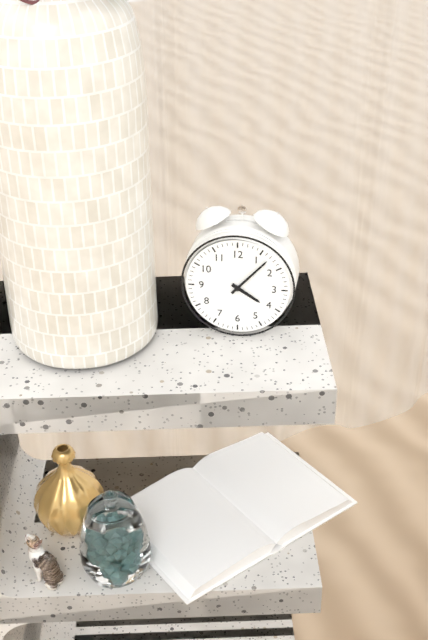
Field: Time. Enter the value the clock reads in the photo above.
4:07
